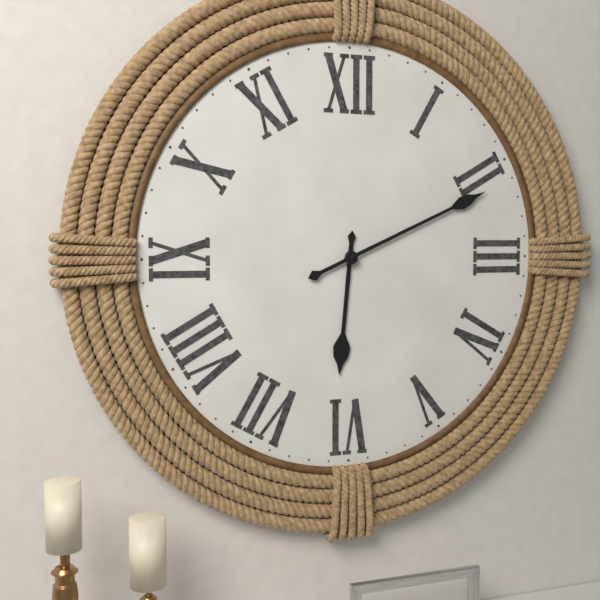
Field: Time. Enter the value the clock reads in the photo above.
6:11
